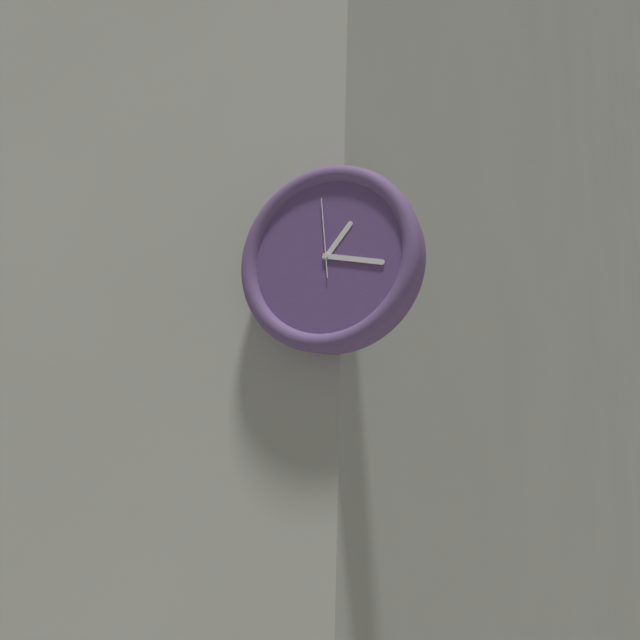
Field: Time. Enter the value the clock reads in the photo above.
1:17:59
